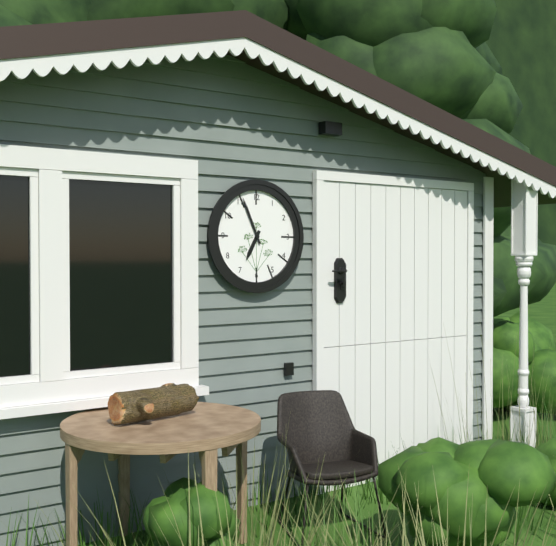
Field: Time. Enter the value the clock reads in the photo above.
6:56
